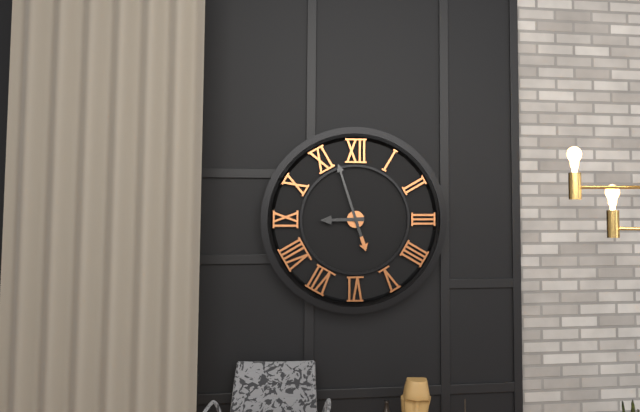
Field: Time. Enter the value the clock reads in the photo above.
8:57
